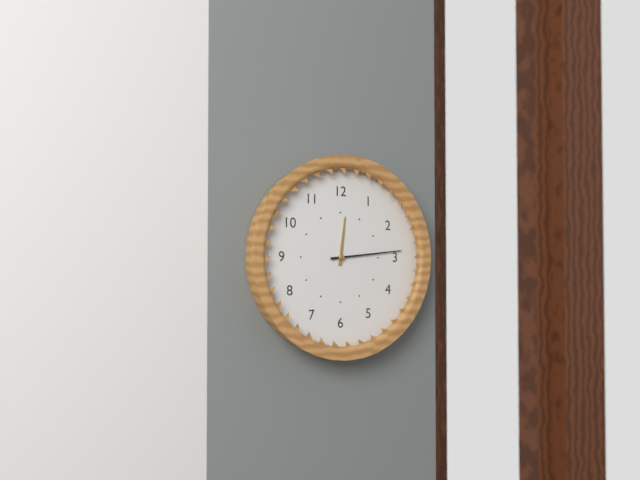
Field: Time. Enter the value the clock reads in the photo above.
12:14
